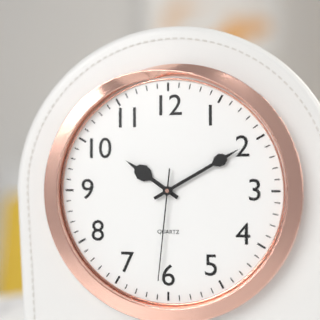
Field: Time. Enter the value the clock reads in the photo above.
10:10:31
